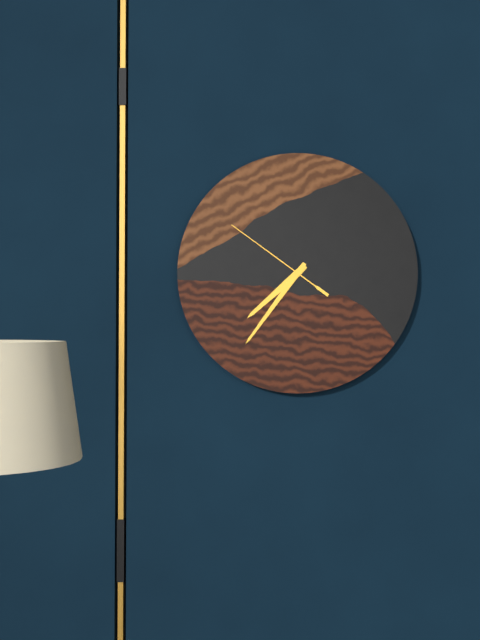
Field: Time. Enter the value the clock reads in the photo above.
7:36:51
